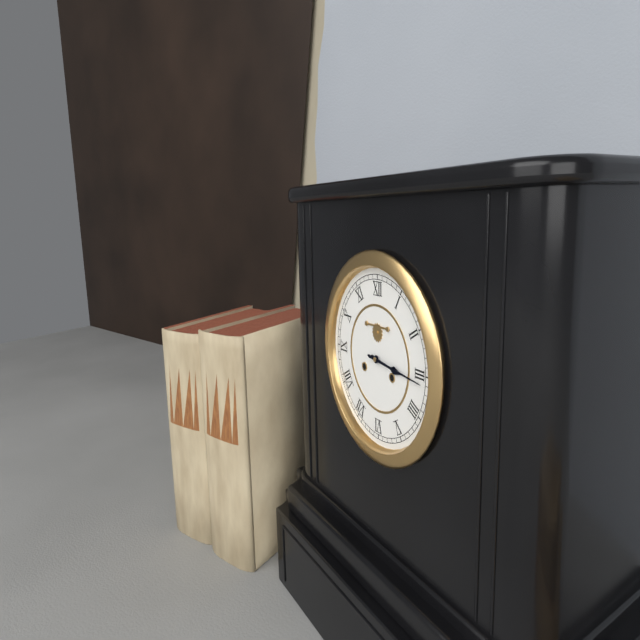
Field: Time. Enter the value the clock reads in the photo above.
3:16
